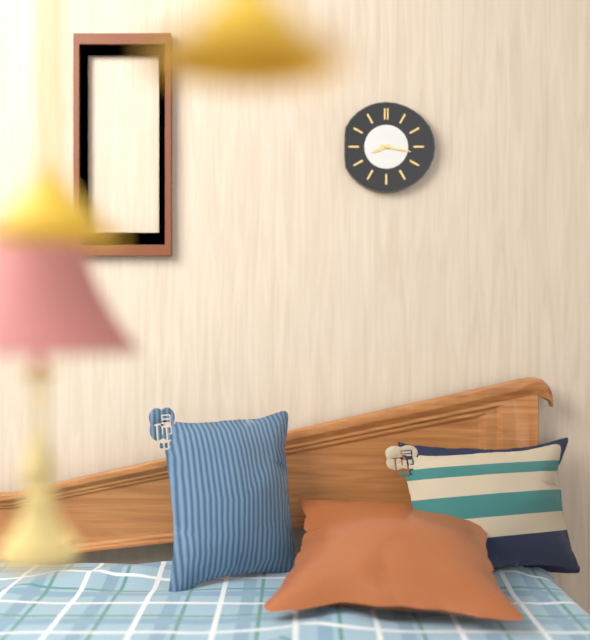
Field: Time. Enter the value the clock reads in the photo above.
8:17
